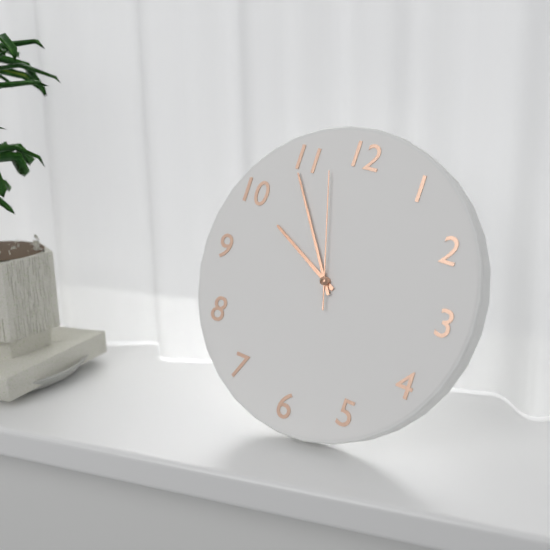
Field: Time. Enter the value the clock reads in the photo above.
9:54:57
